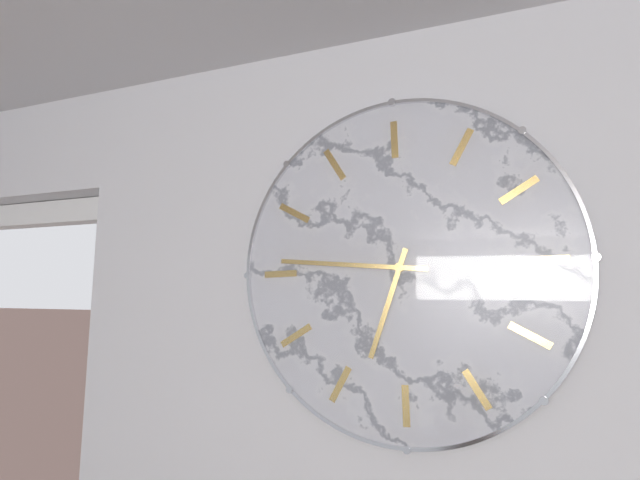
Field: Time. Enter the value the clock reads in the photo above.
5:41
